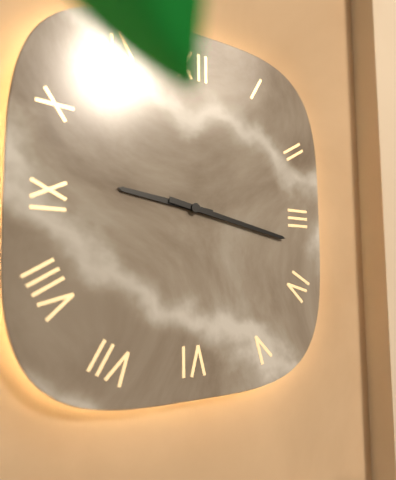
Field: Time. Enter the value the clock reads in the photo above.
9:17
